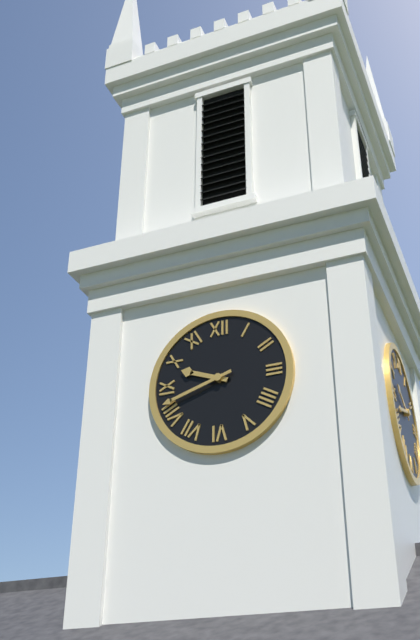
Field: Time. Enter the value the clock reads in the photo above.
9:42
